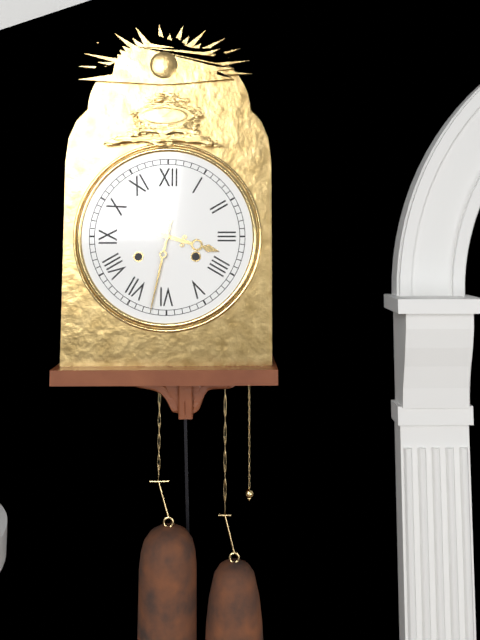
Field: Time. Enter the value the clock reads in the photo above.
3:32
